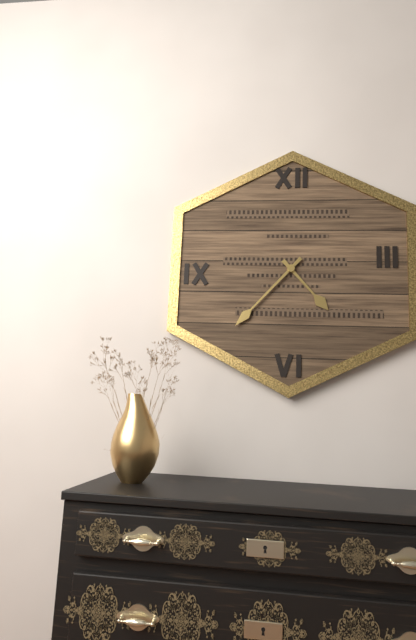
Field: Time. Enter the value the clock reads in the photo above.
4:37
